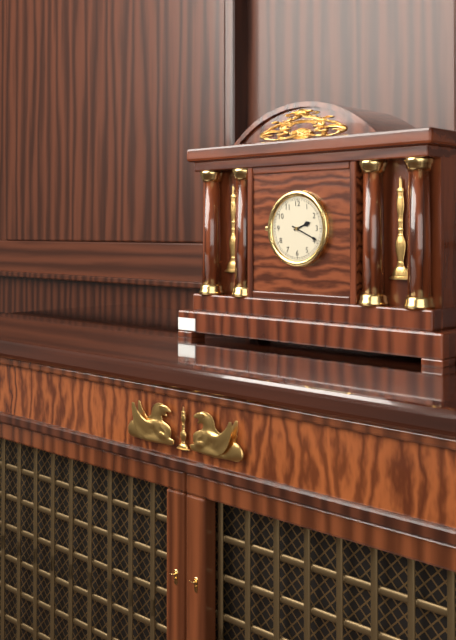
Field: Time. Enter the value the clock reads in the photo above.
2:19
